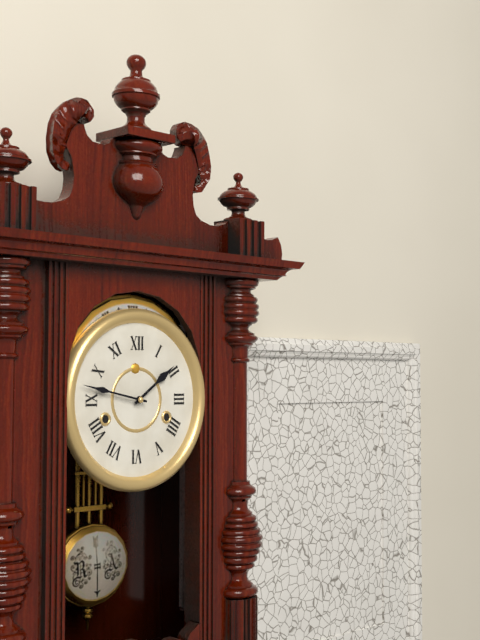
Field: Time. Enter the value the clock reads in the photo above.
1:47
